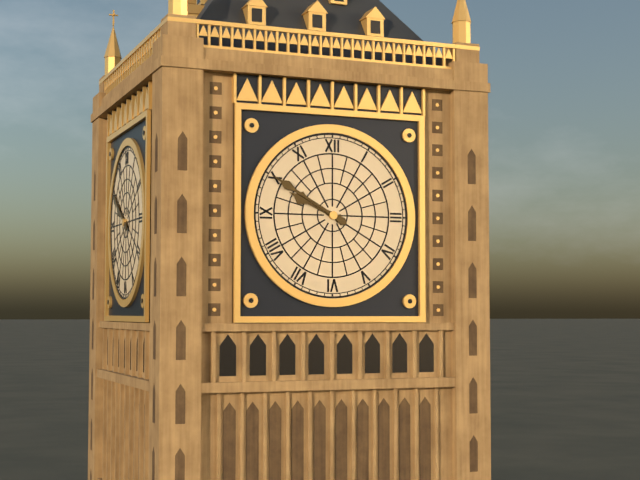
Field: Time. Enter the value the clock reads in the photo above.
9:50
